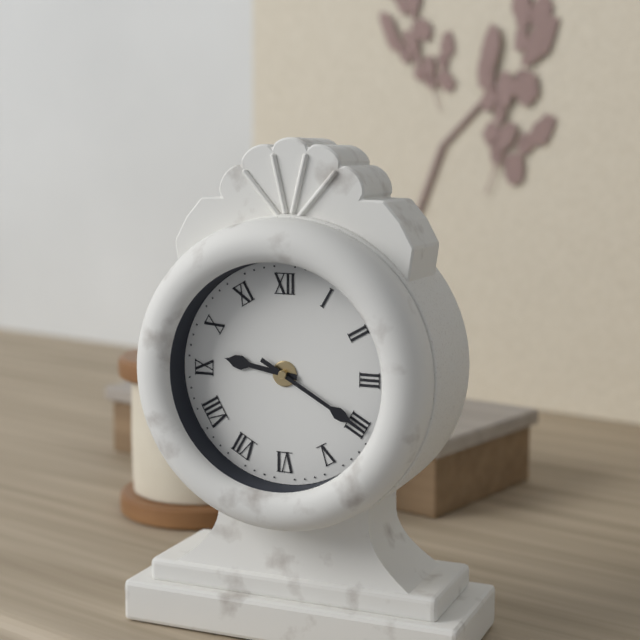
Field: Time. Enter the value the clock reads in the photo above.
9:20
